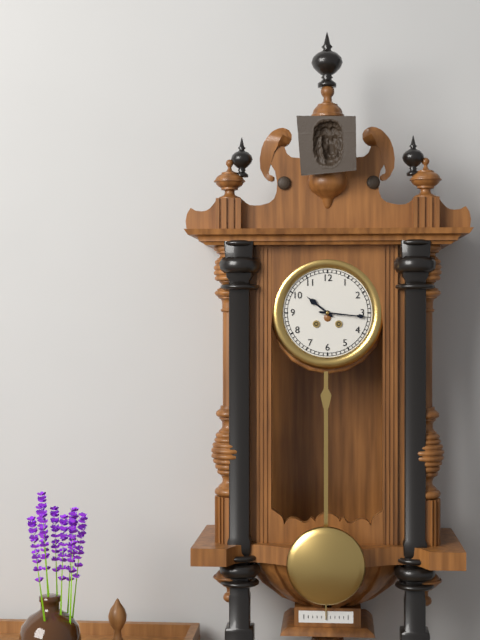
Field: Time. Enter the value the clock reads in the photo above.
10:16
